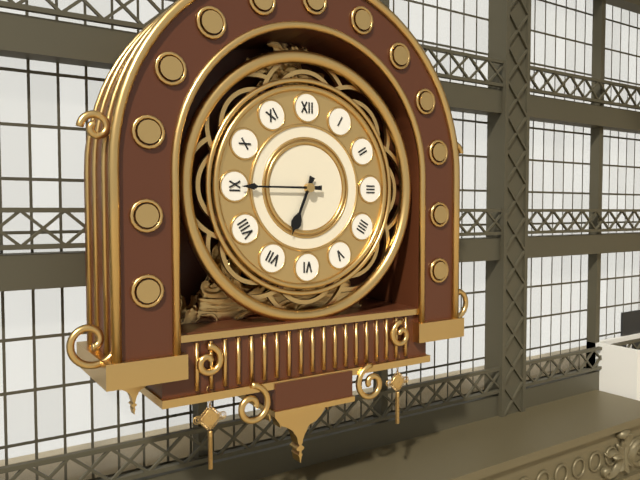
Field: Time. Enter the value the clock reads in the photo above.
6:45
